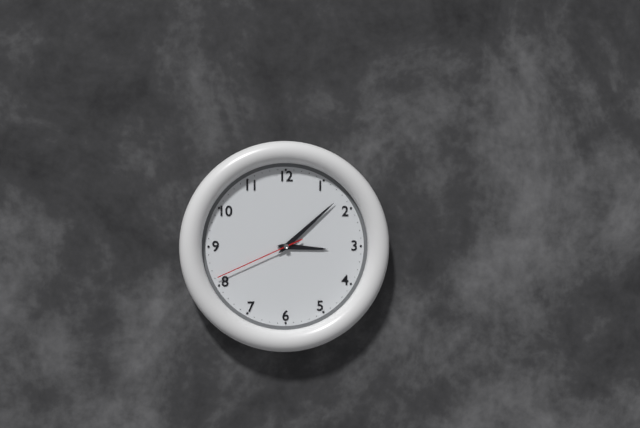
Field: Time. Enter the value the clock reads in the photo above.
3:08:41
